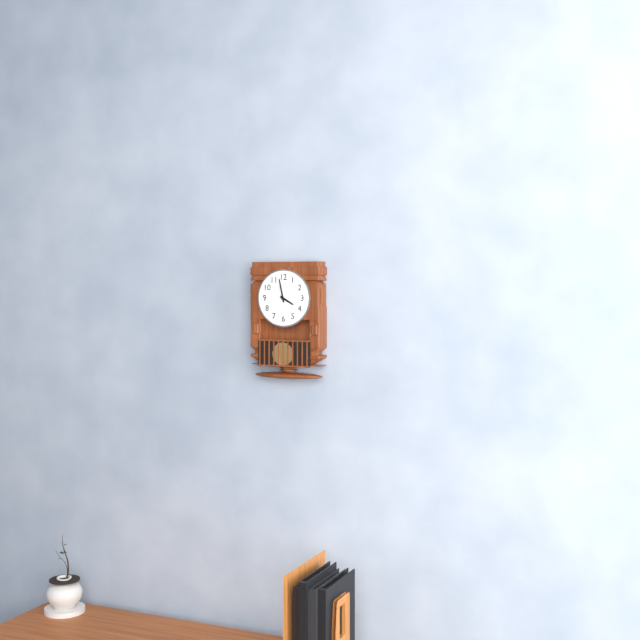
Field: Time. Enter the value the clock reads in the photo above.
3:58
